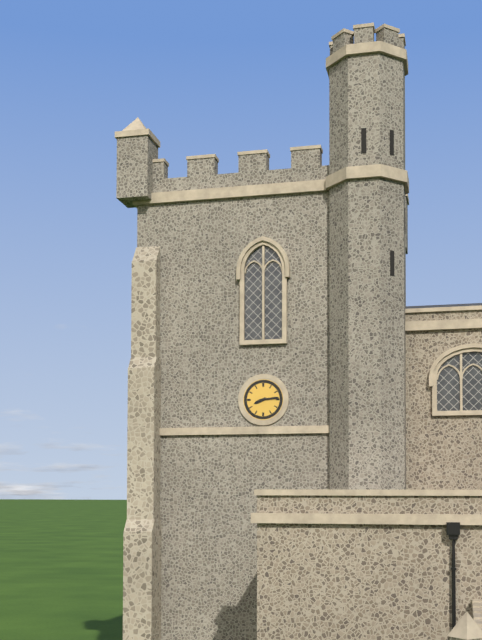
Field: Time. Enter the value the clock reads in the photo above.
8:14
